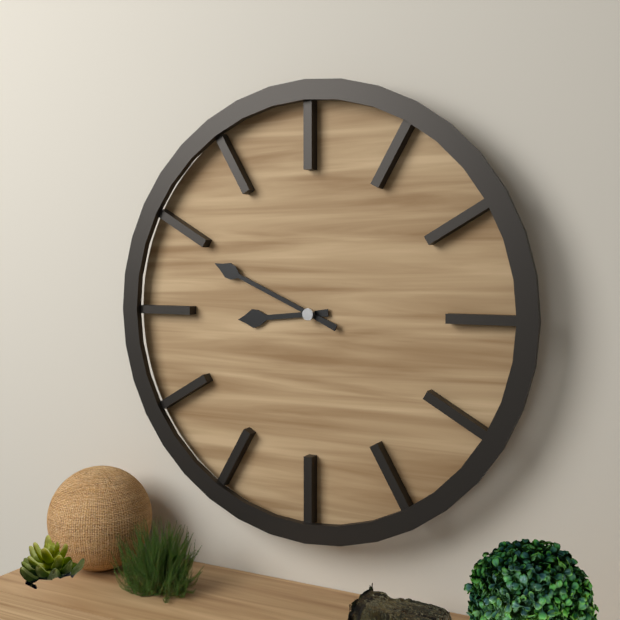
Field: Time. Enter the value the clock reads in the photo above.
8:49
